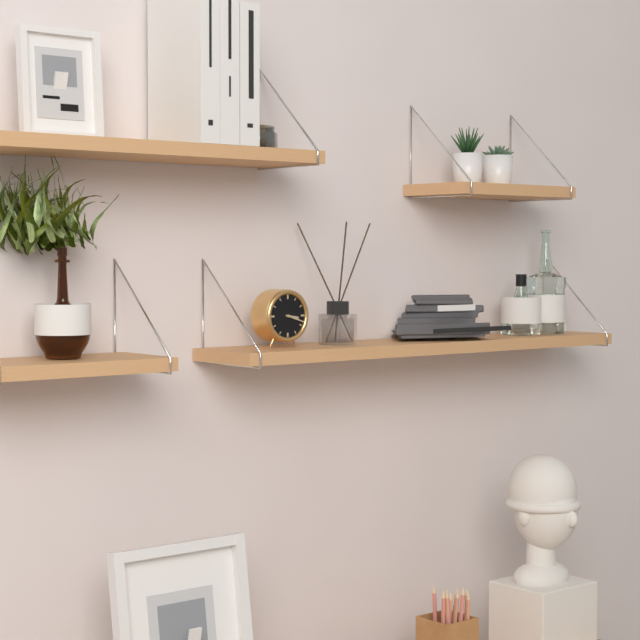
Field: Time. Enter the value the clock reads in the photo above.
3:18
